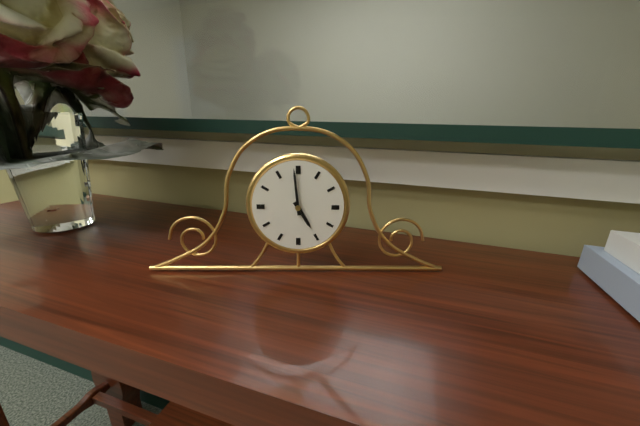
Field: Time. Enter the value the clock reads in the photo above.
4:59
